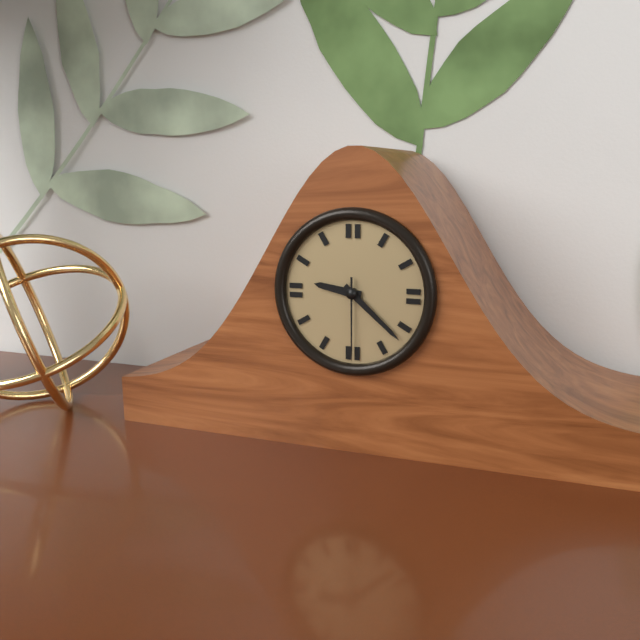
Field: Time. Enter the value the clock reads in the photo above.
9:22:30
